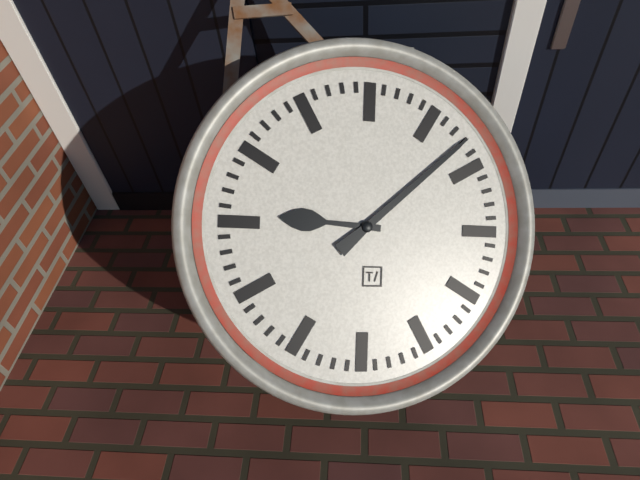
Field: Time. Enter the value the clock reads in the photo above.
9:08
